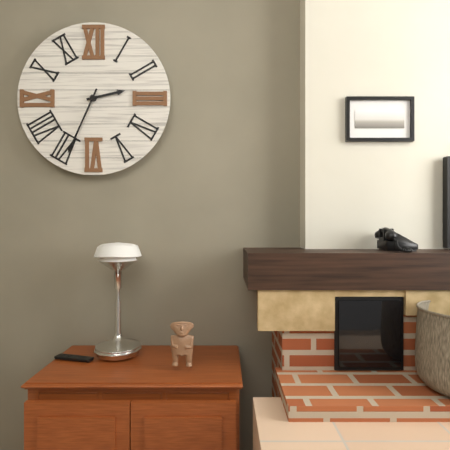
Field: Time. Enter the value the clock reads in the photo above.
2:34
